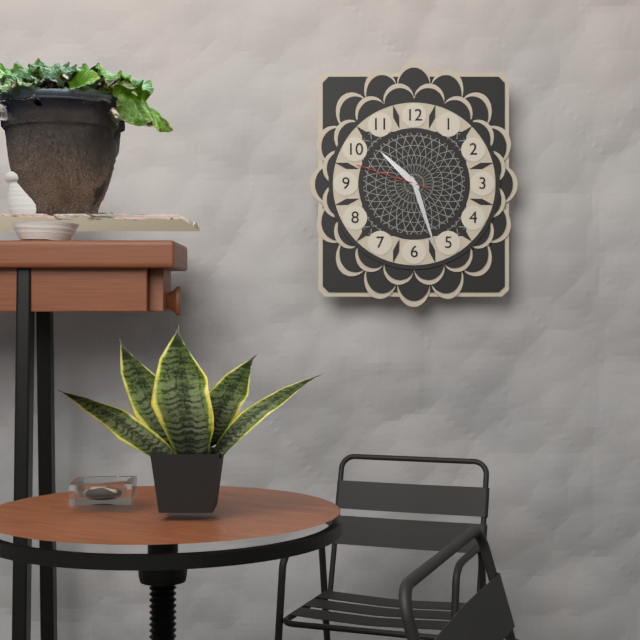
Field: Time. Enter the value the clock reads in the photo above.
10:27:48
